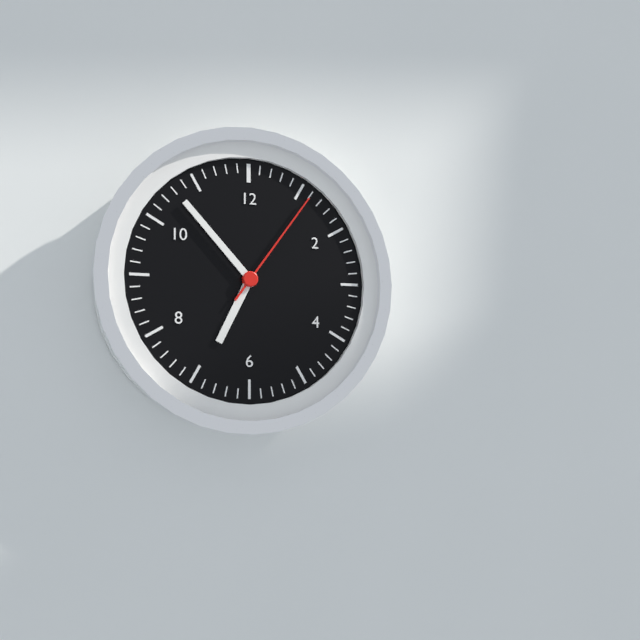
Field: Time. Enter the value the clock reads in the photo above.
6:53:06
